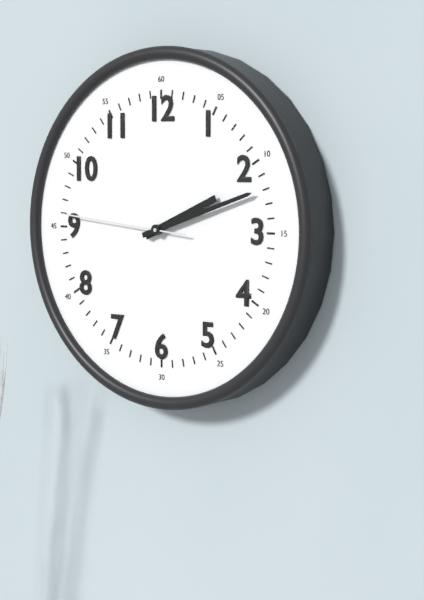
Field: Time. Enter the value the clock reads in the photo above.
2:12:46
